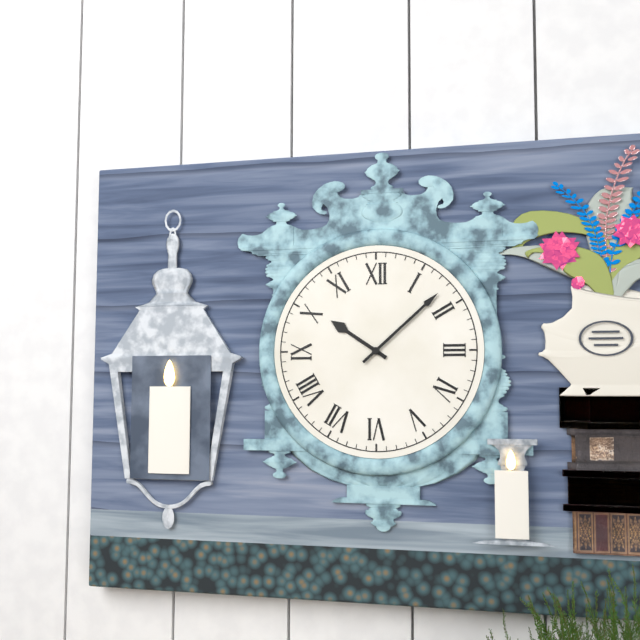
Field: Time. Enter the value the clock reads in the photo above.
10:08
